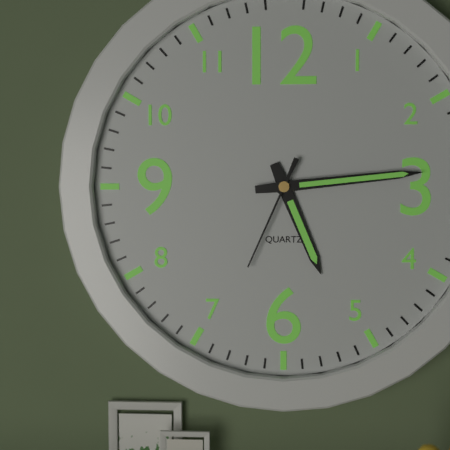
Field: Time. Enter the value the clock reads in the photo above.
5:14:34
